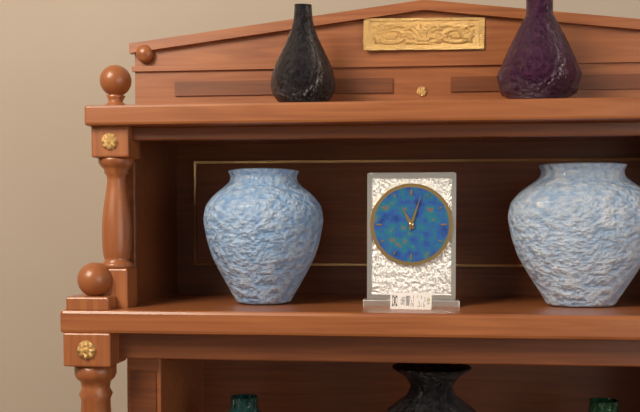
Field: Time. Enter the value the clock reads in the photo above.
11:03
